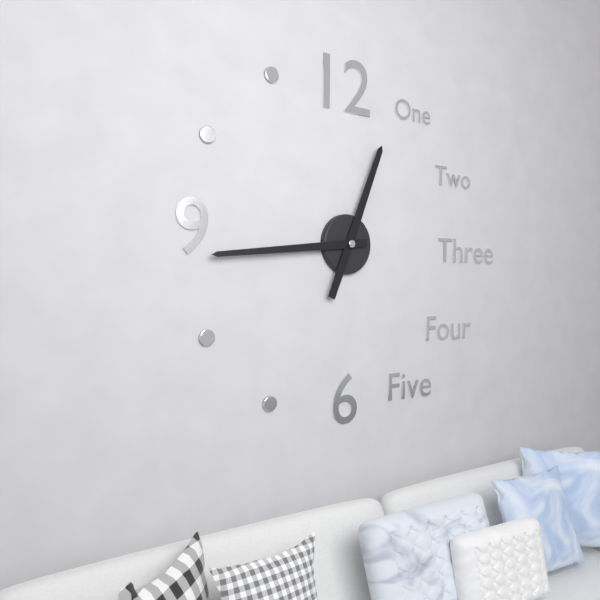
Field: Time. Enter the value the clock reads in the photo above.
12:44
